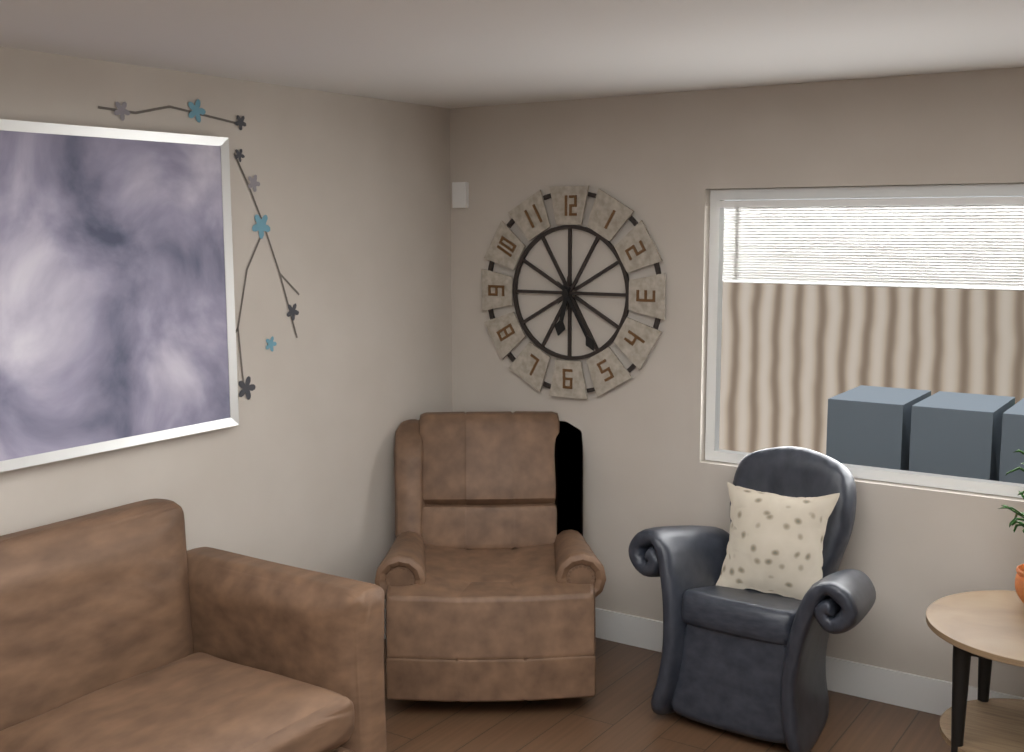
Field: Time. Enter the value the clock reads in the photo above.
6:25
